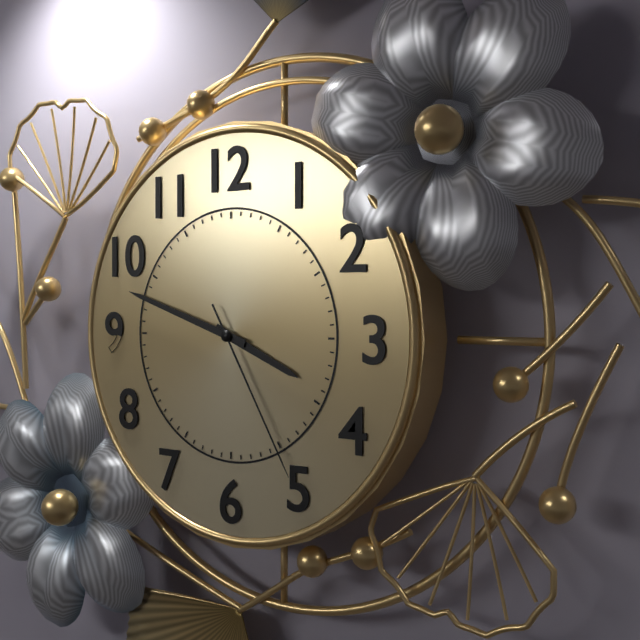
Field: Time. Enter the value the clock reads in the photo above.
3:48:25
